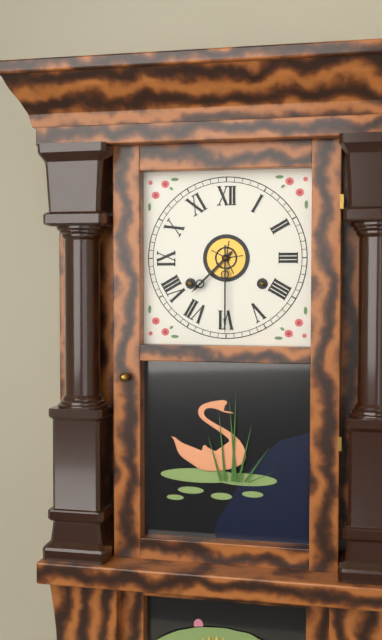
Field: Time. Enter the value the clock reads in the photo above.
7:30
